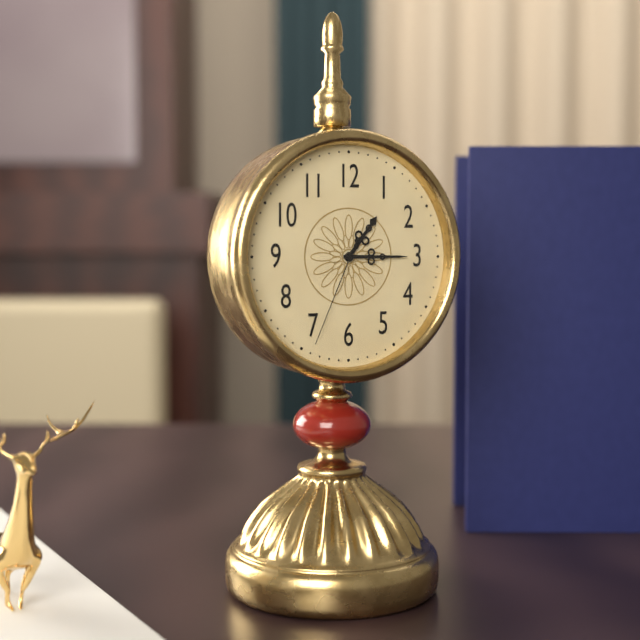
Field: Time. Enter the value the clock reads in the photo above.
1:15:34
